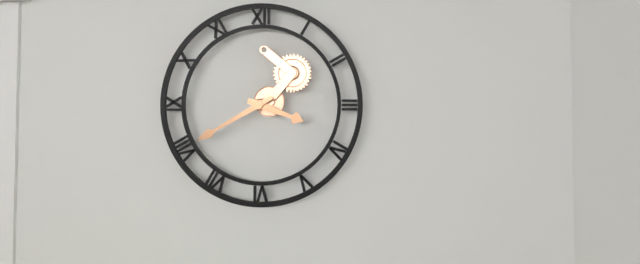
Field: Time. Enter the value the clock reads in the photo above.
3:40
